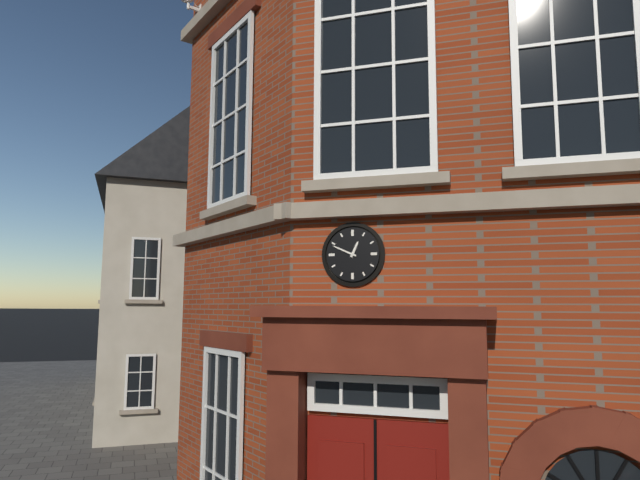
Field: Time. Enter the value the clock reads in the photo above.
12:49
